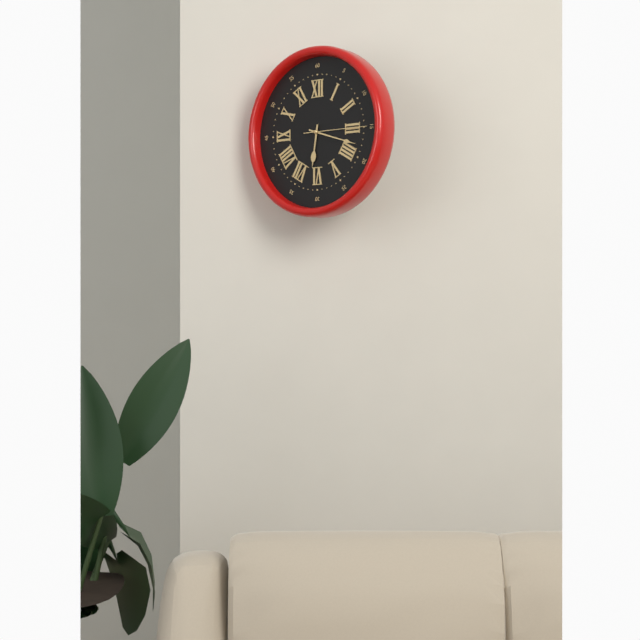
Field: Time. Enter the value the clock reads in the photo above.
6:18:15
